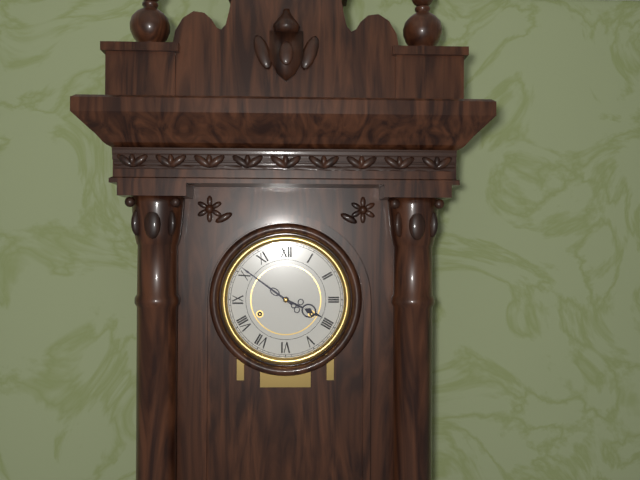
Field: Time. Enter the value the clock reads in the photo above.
3:51
